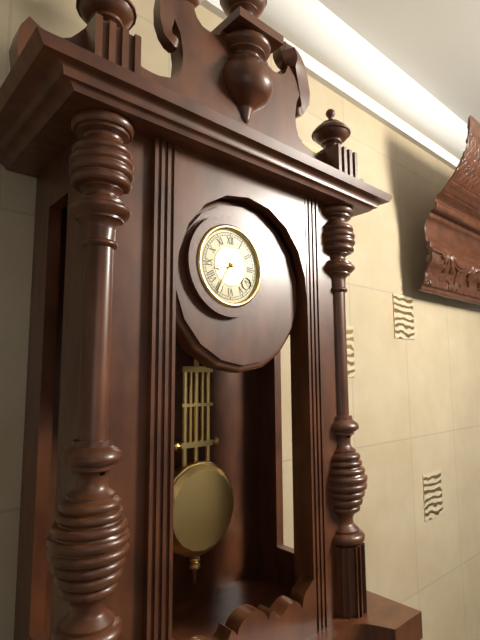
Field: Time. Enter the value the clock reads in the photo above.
8:35
